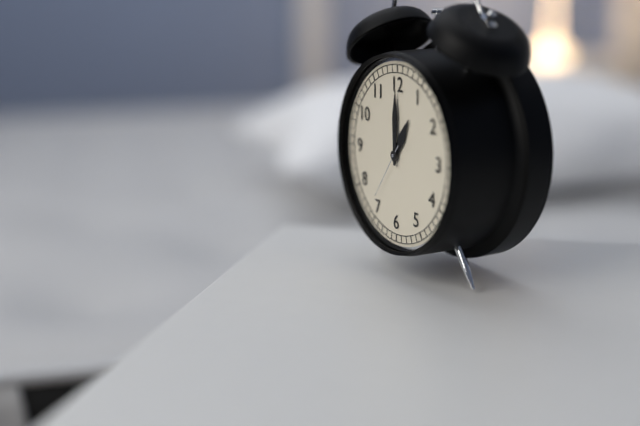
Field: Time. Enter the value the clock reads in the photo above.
1:00:36
